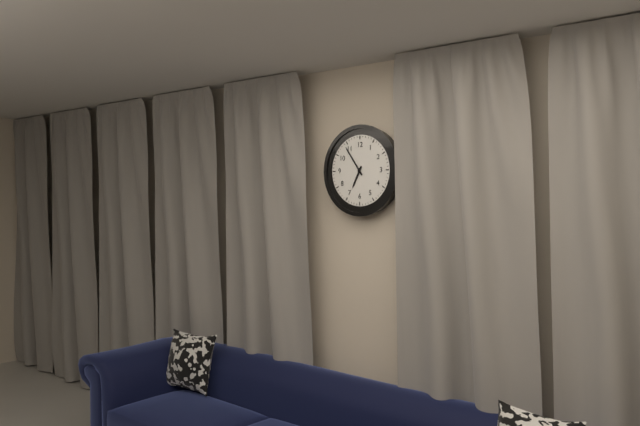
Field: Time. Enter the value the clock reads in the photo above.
6:54
